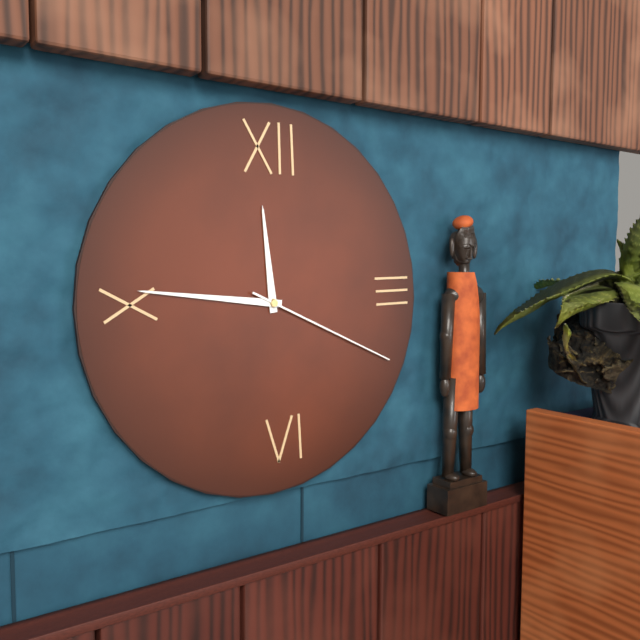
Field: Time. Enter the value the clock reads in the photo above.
11:46:19
